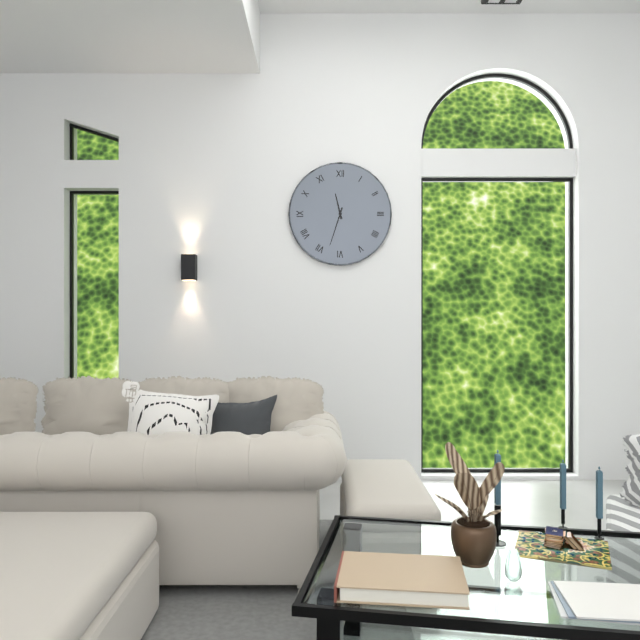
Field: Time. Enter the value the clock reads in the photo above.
11:33
